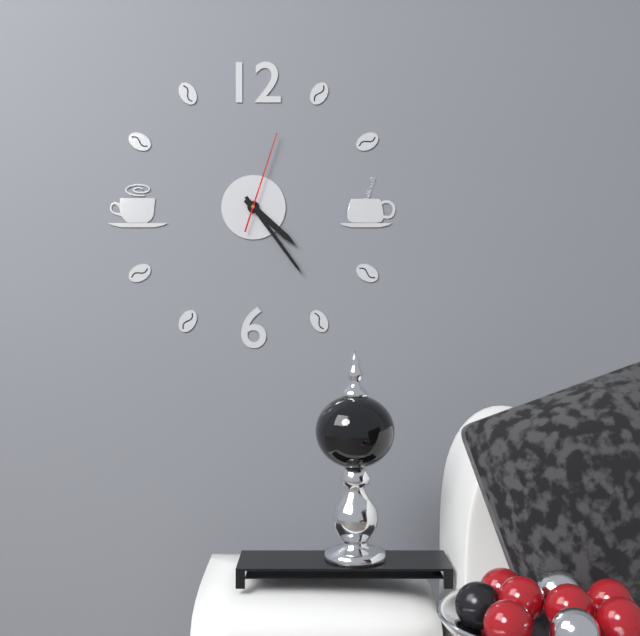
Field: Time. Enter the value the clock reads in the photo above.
4:24:03
